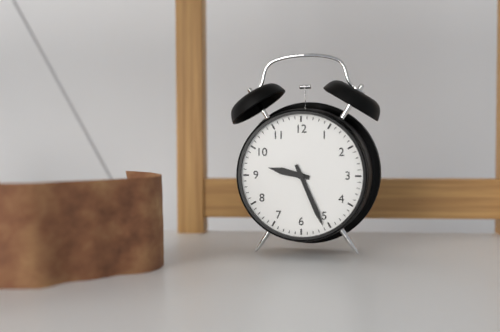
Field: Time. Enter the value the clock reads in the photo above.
9:26
